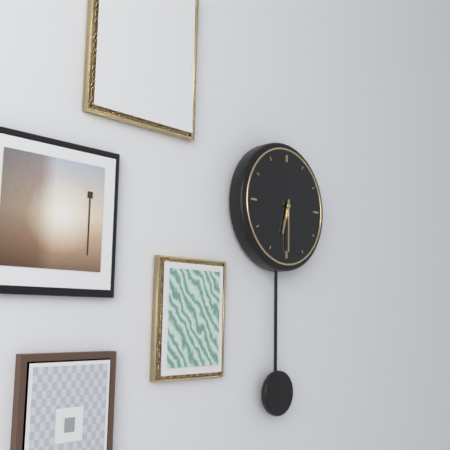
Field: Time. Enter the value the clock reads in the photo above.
6:30
